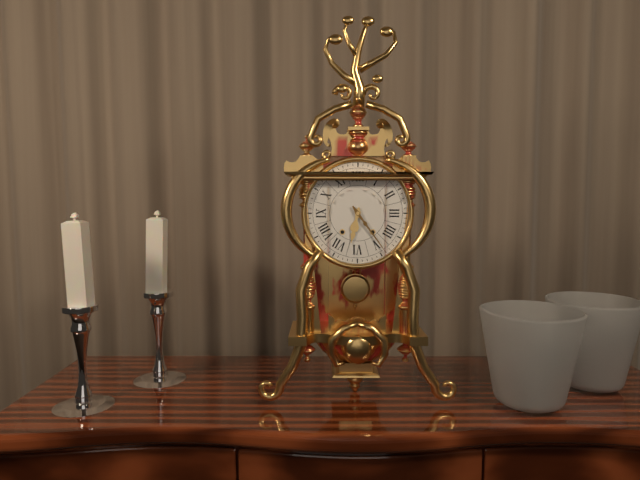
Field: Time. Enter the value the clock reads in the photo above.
6:24
